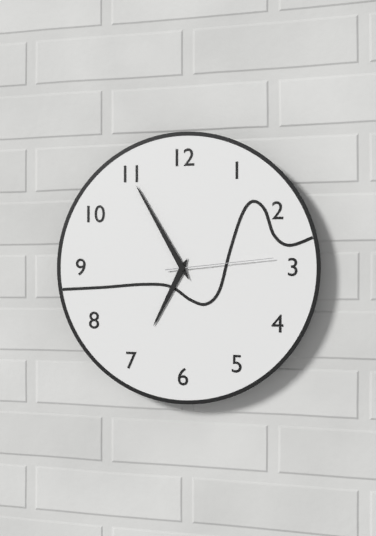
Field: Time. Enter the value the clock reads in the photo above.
6:55:14
